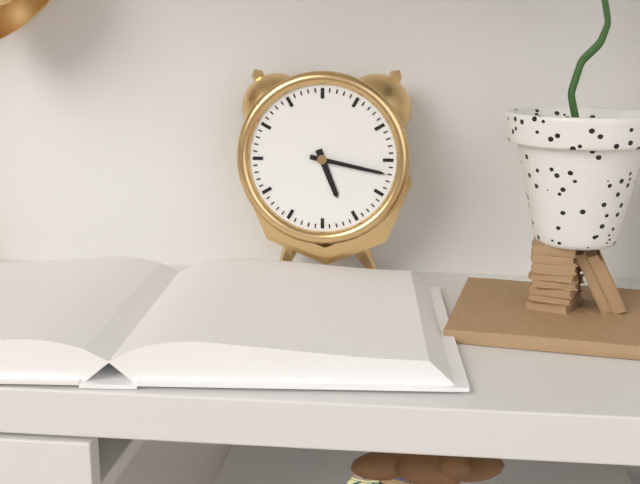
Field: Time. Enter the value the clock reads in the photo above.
5:17
